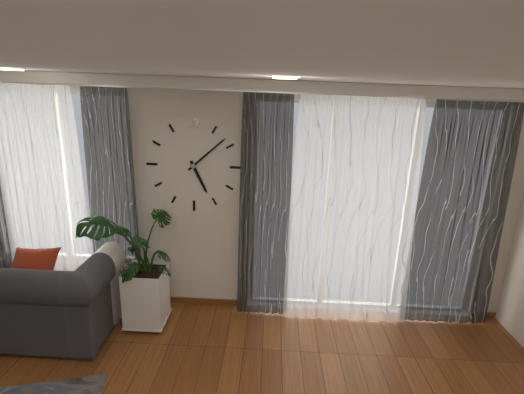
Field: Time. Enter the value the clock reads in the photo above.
5:08
